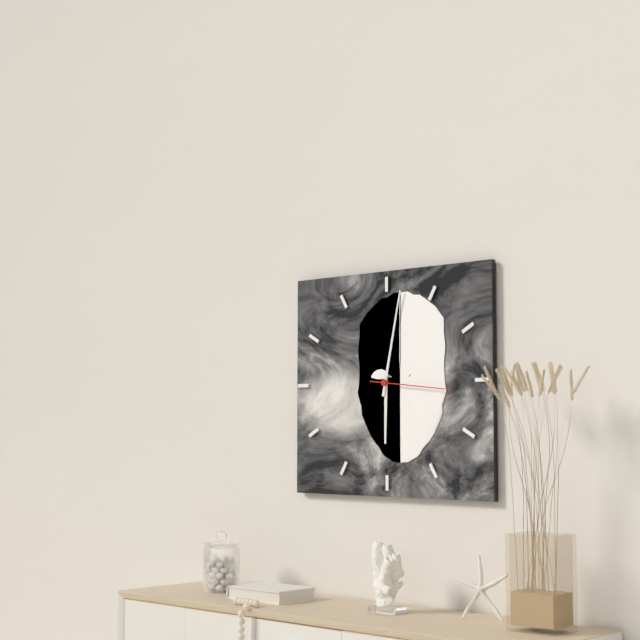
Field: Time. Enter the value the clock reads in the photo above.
6:02:16
